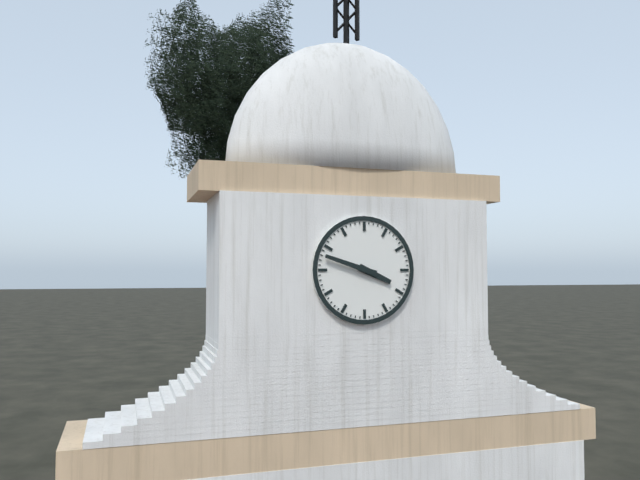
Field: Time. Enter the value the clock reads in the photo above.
3:48
